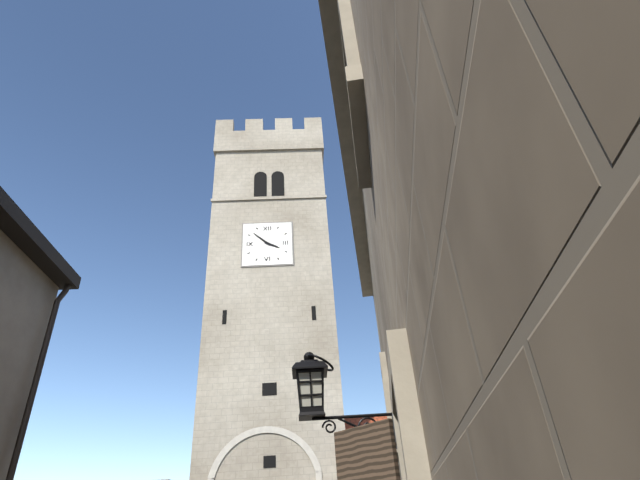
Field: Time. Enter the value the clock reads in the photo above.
3:52
